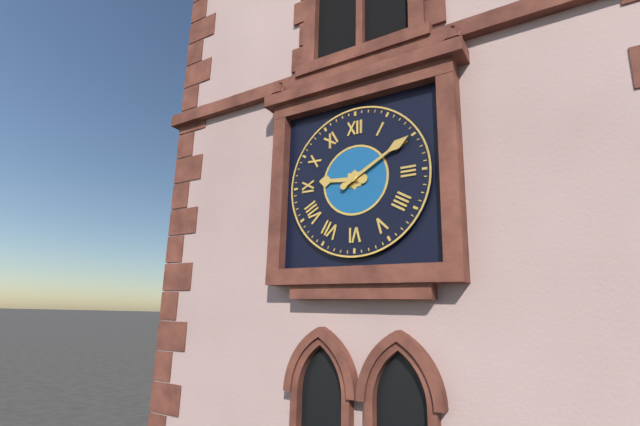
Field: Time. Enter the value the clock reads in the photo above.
9:10
